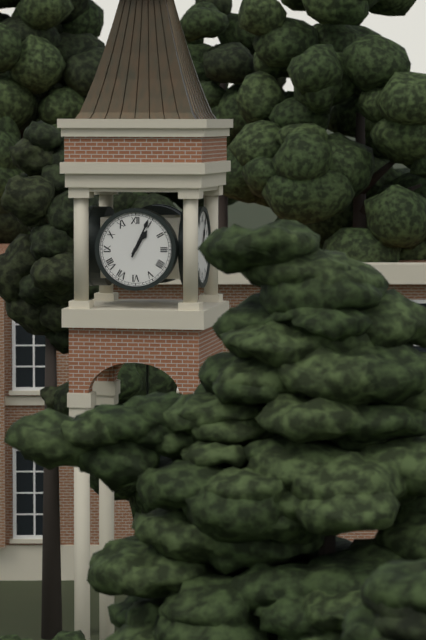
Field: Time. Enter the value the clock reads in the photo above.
1:04
